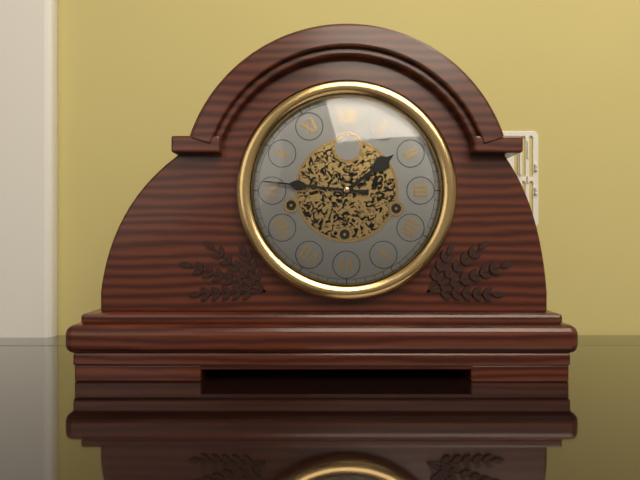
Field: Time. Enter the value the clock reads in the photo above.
1:46
